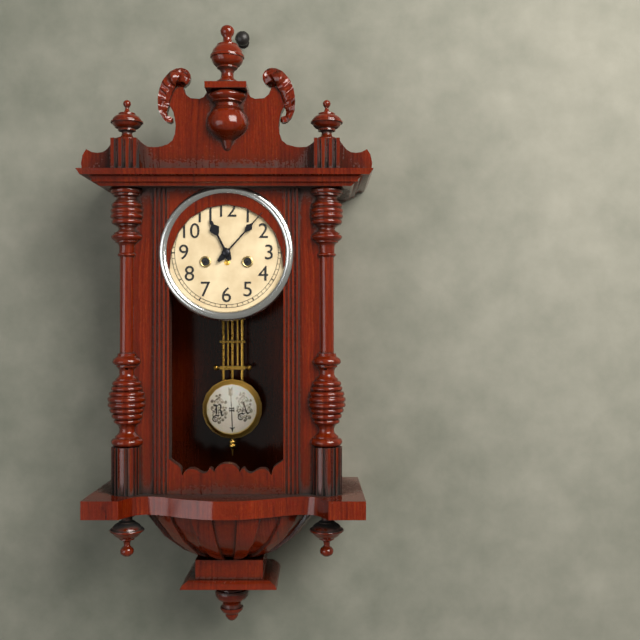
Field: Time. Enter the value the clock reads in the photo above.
11:07
